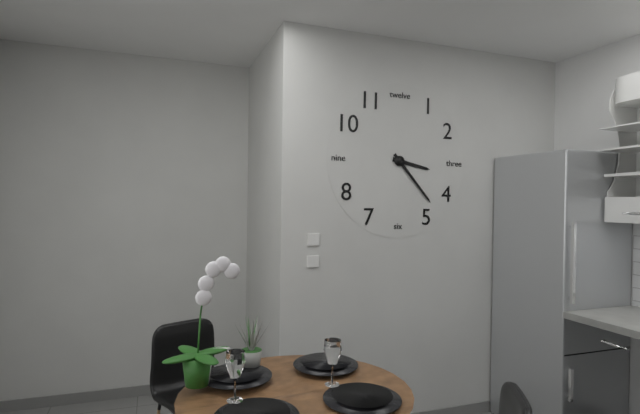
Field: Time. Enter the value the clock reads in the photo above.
3:23
